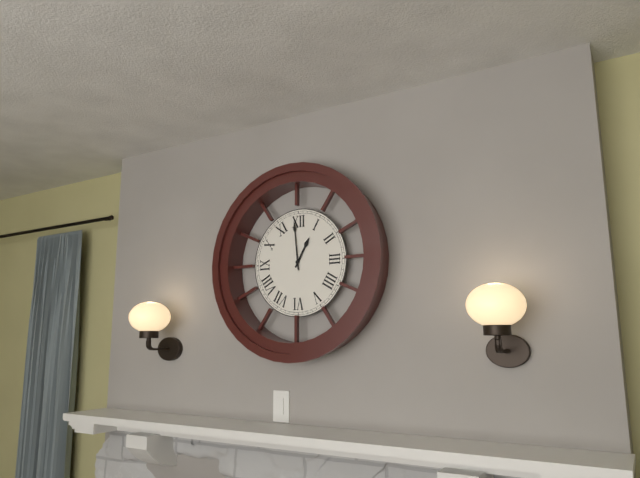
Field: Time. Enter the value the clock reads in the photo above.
12:59
